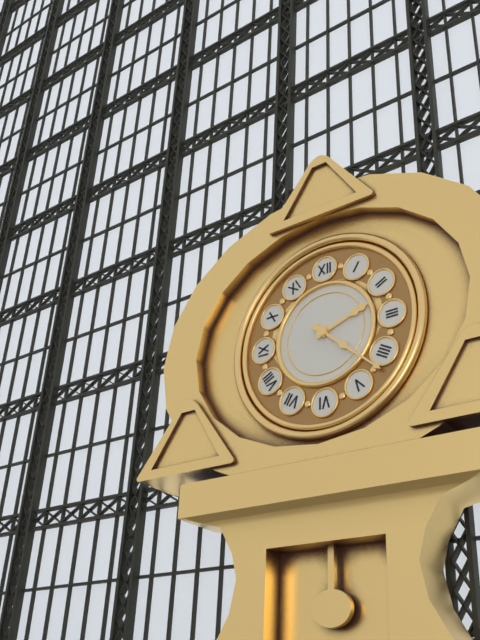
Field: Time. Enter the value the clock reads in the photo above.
2:22
